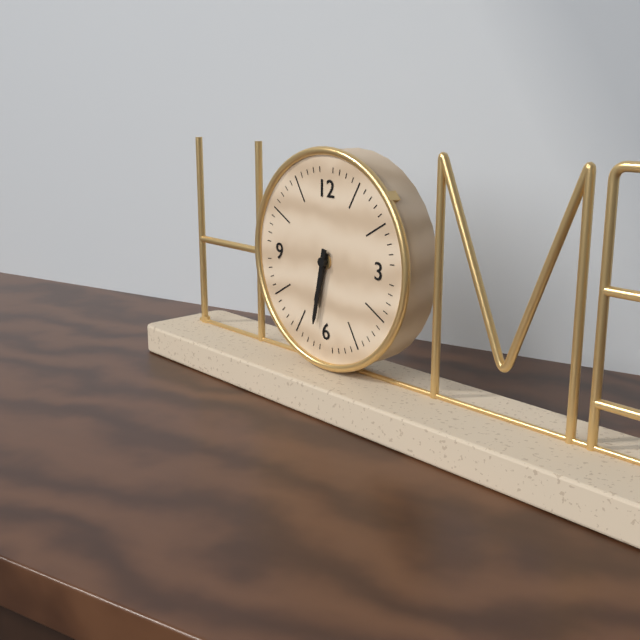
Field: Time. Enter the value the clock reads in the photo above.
6:32
